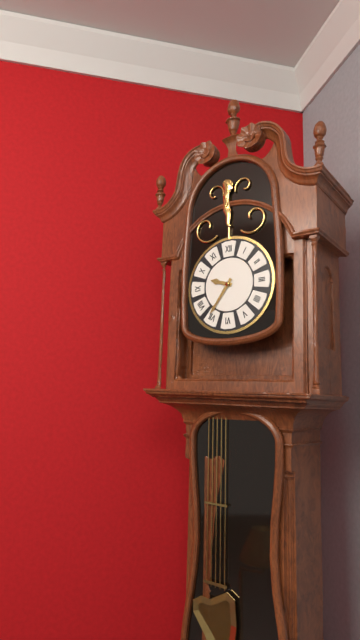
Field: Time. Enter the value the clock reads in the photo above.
9:36
